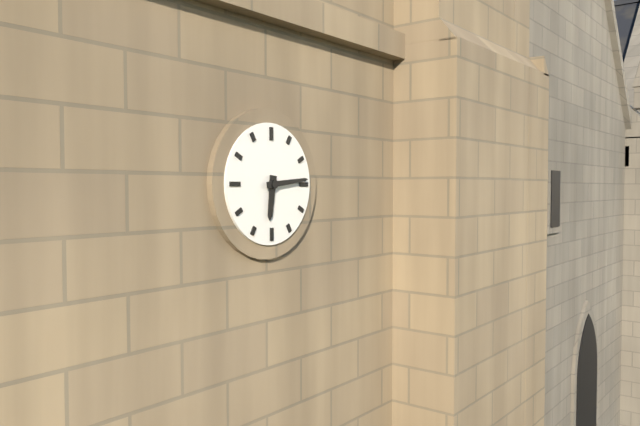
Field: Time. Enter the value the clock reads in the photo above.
6:14
